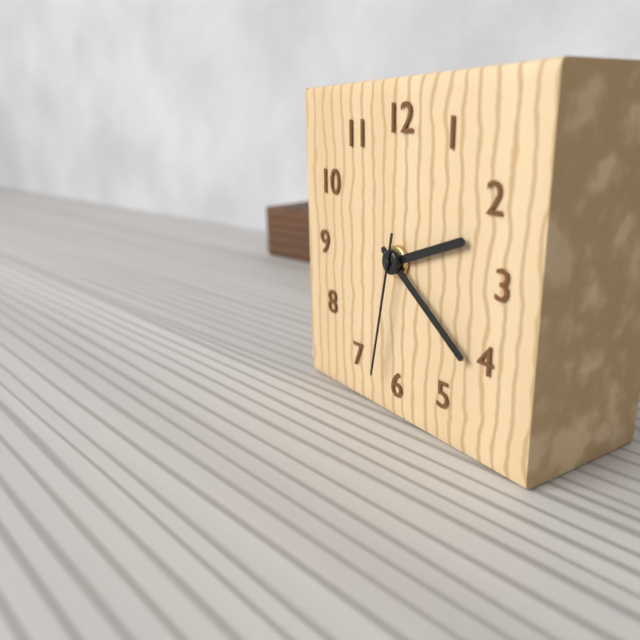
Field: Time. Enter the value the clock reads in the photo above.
2:21:32
